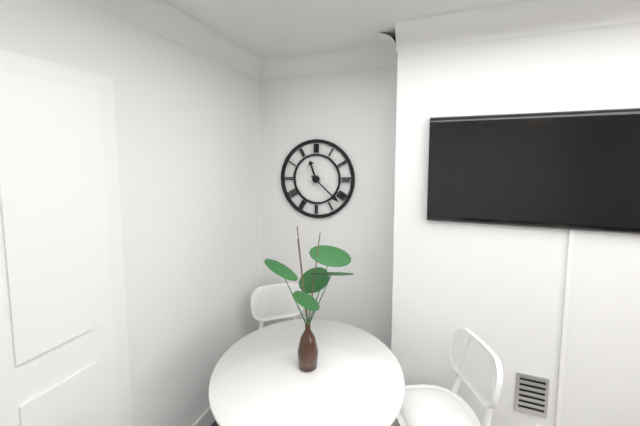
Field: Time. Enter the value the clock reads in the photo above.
11:22
